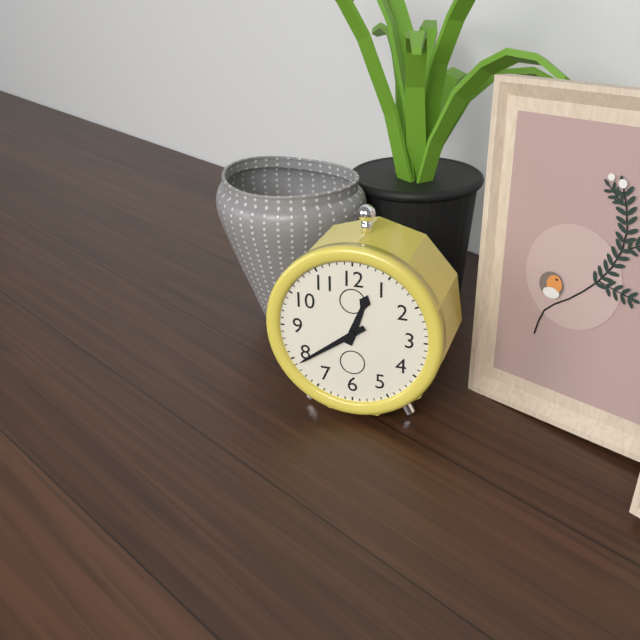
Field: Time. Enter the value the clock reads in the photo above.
12:39
